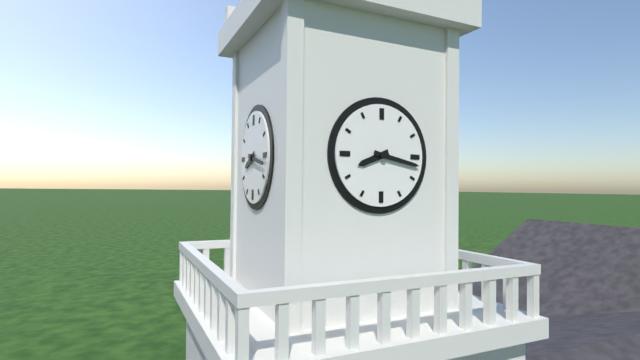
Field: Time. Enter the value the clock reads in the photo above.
8:17
